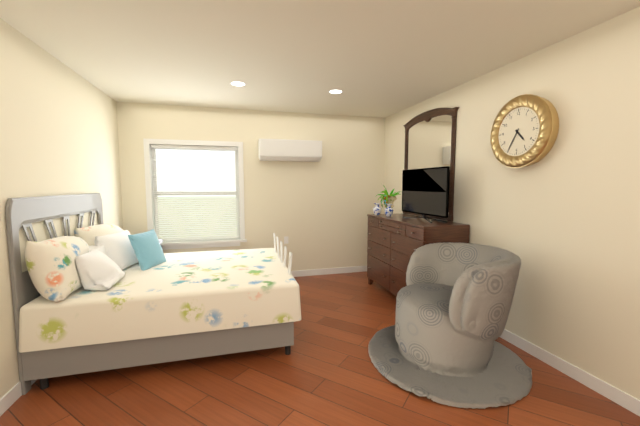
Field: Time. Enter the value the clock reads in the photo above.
4:35
